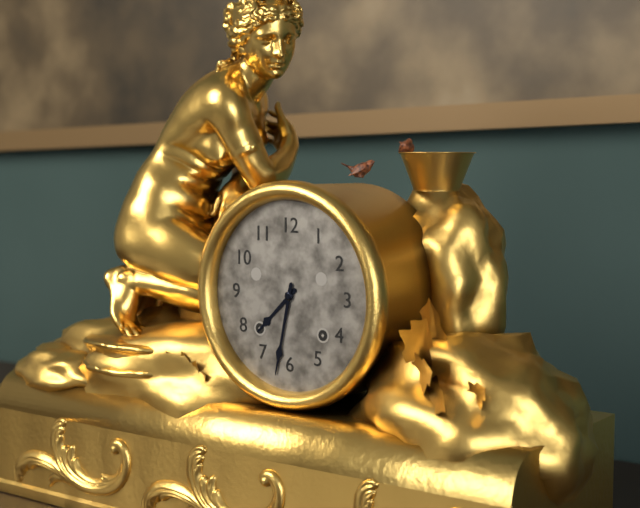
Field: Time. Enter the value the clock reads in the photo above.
7:32
